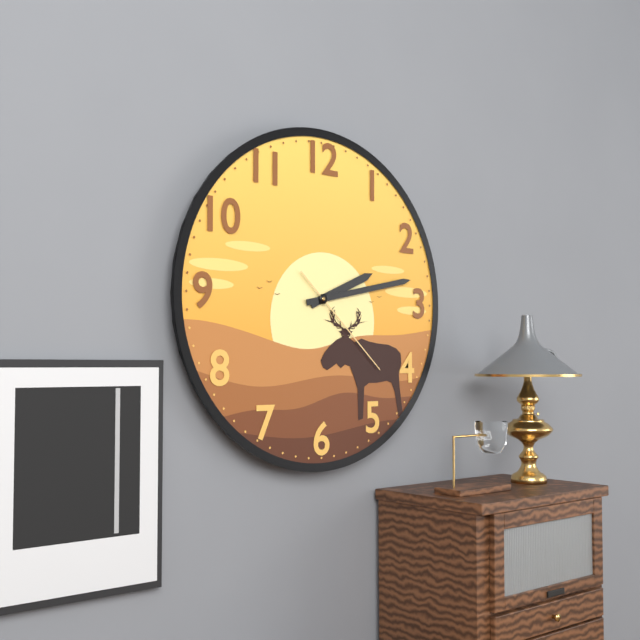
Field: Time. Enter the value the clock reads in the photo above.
2:13:22
